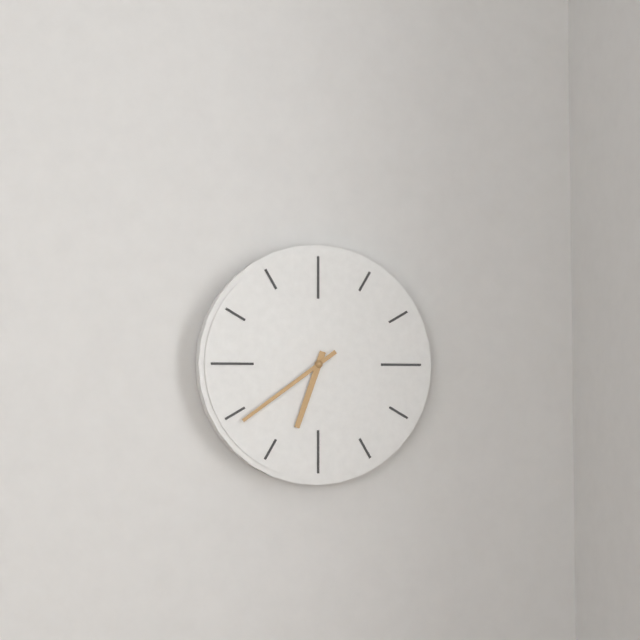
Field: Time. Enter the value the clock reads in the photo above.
6:39
